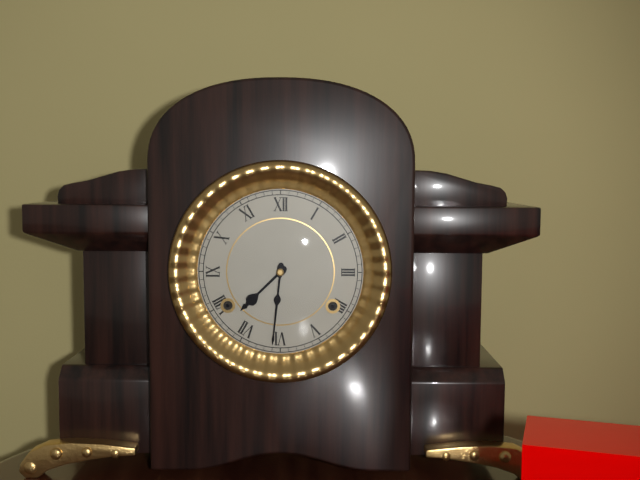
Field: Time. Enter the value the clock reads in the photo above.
7:31
